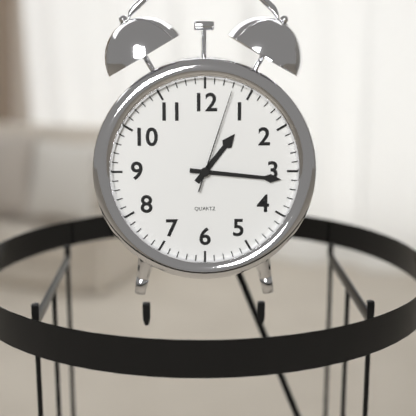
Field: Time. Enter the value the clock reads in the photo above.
1:16:03
